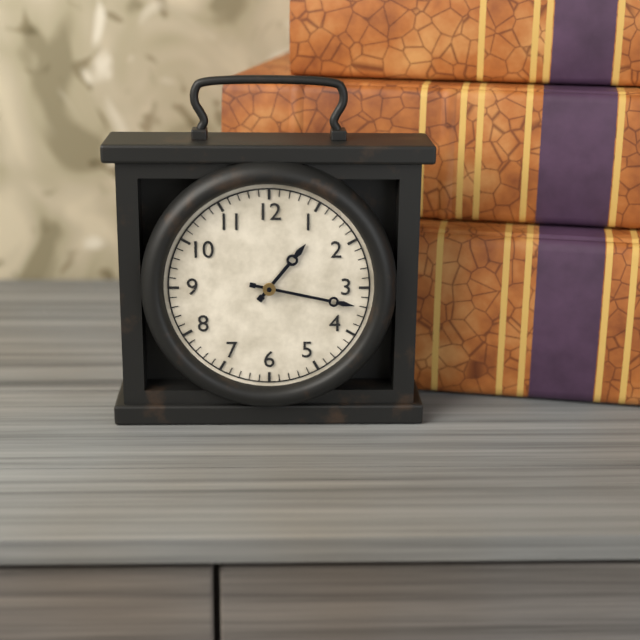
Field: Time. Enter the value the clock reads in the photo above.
1:17
